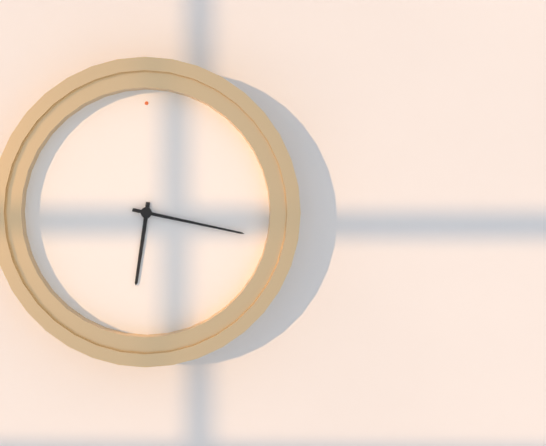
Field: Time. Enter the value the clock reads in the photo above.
6:17
